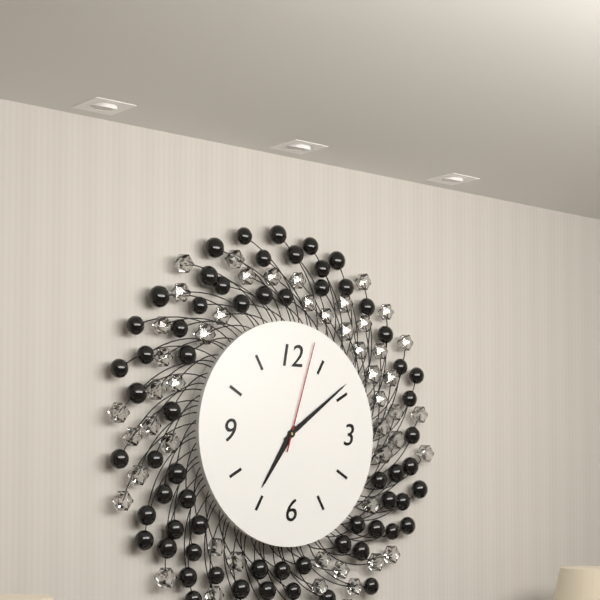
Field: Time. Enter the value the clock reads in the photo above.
7:09:03
